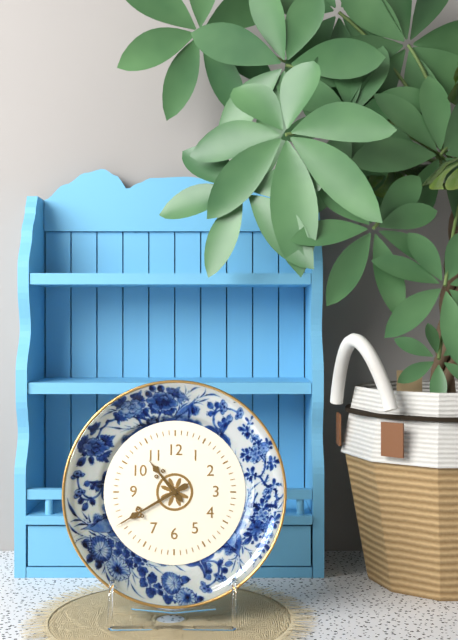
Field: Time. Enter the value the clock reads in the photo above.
10:40
